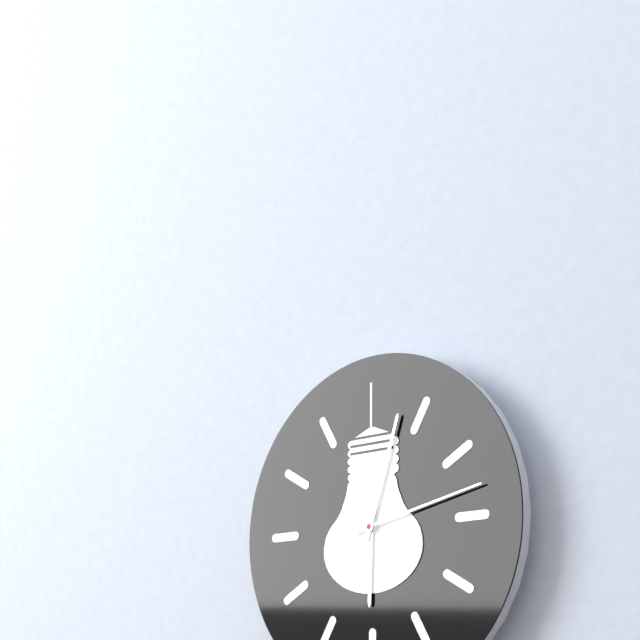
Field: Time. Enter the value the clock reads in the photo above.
6:03:13
